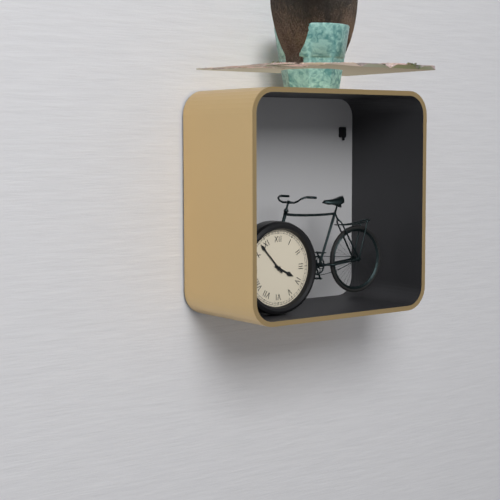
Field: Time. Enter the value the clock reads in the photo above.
3:53
